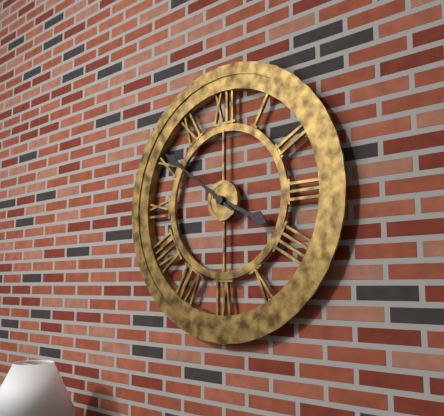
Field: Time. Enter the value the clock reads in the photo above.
3:51
